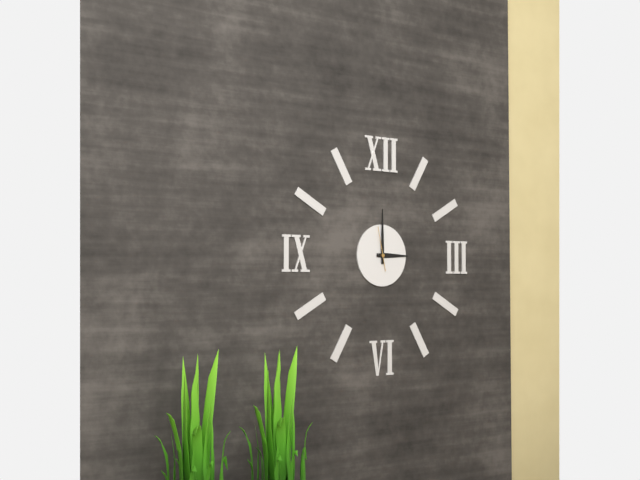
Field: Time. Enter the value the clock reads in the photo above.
3:00
